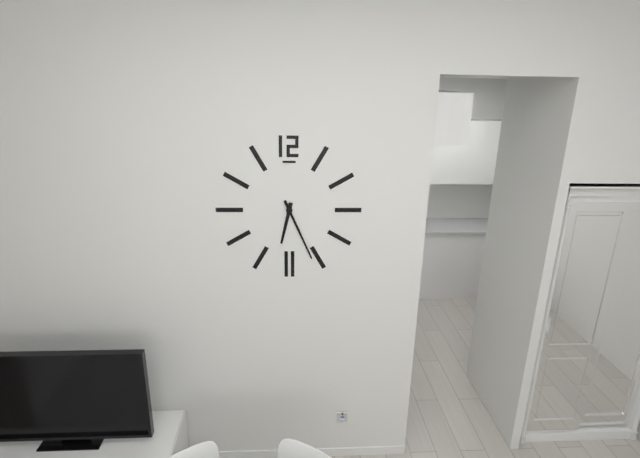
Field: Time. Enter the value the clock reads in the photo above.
6:26
